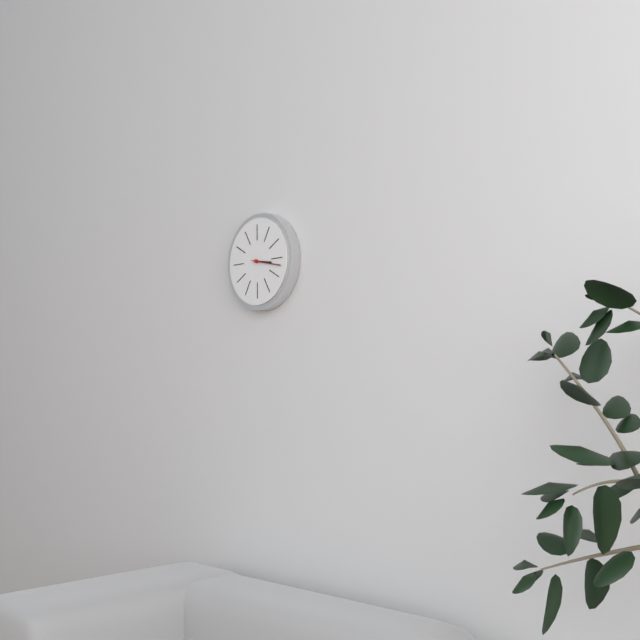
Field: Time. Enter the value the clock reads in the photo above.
3:17
